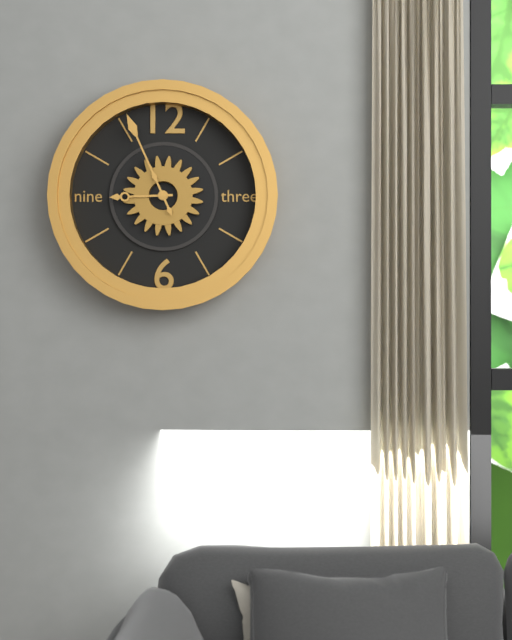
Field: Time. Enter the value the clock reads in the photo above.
8:56
